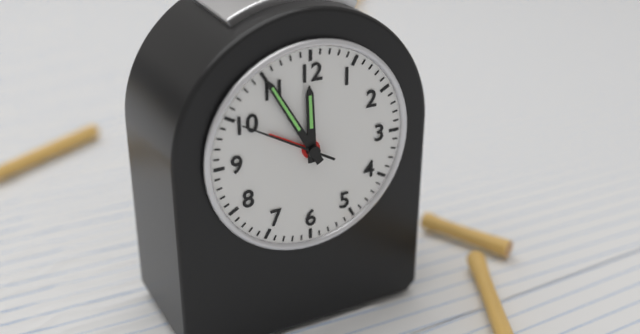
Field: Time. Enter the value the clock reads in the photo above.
11:55:50
